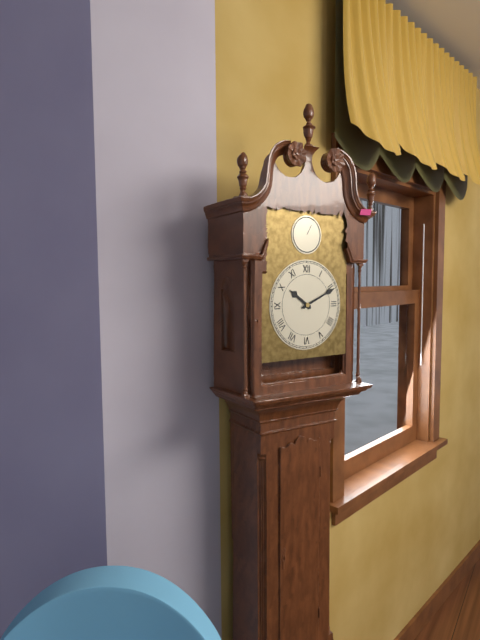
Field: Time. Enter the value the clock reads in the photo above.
10:11
